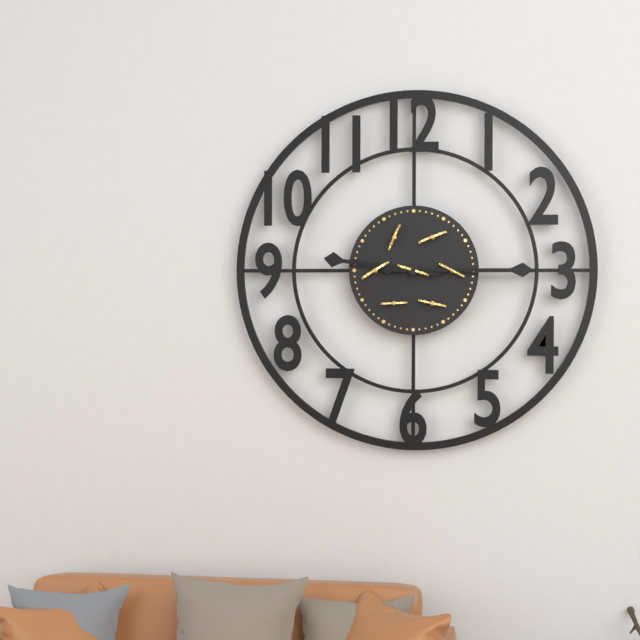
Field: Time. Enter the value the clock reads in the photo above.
9:15
